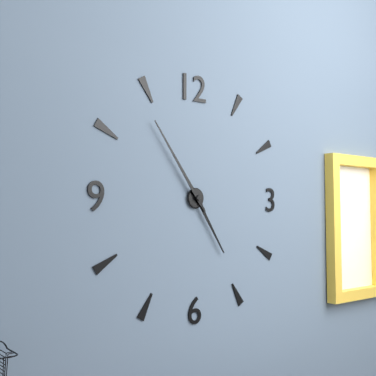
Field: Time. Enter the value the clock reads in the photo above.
4:54
